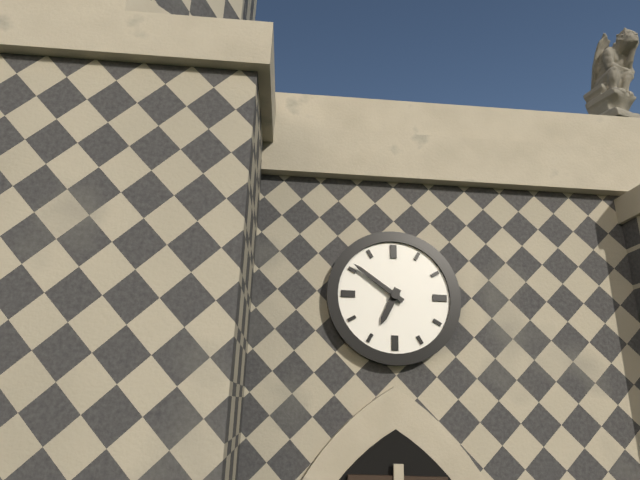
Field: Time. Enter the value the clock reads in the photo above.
6:51
